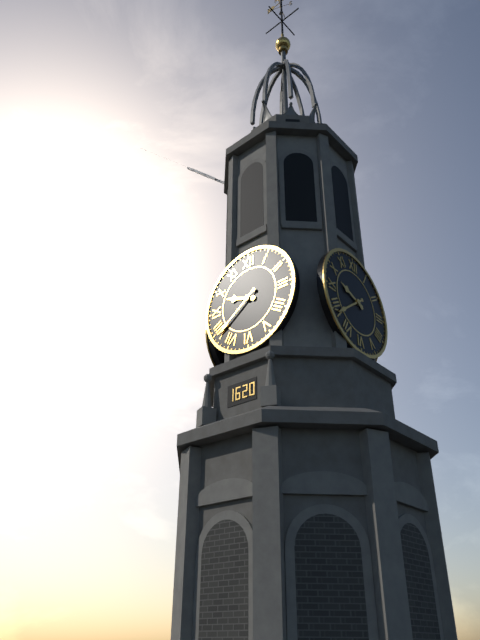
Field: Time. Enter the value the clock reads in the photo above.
9:39
